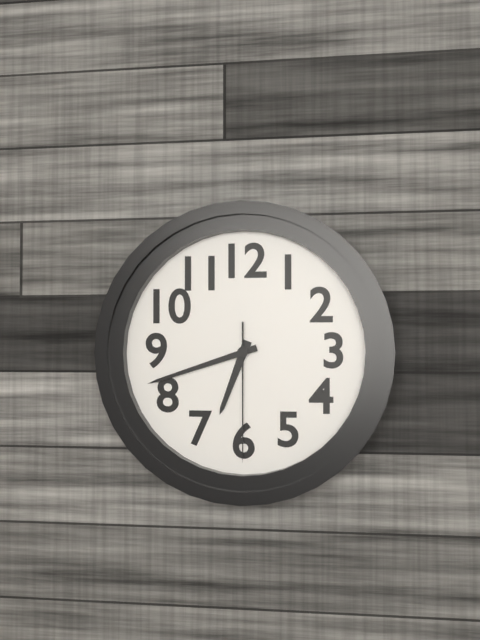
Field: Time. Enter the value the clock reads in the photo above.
6:42:30
